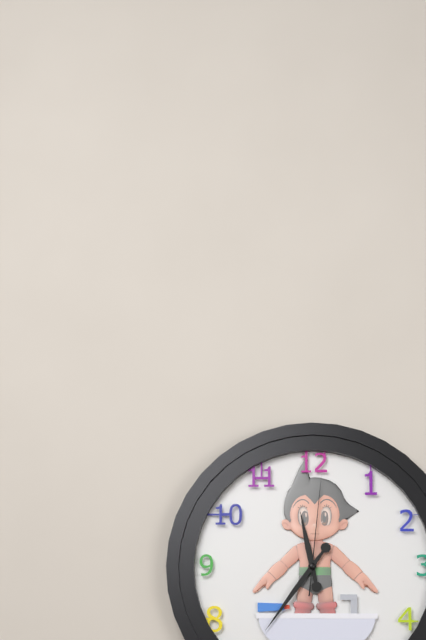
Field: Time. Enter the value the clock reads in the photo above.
11:36:01
